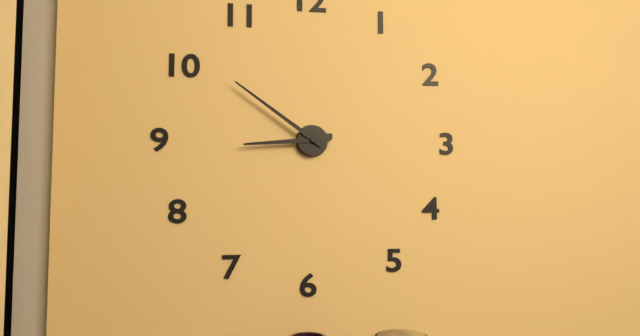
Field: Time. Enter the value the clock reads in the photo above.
8:51
